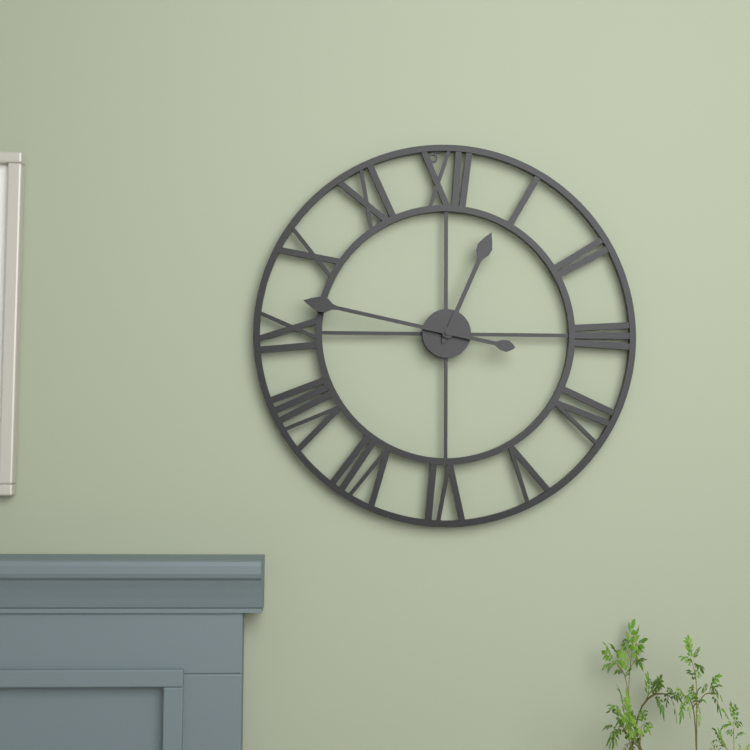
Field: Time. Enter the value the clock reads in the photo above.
12:47
